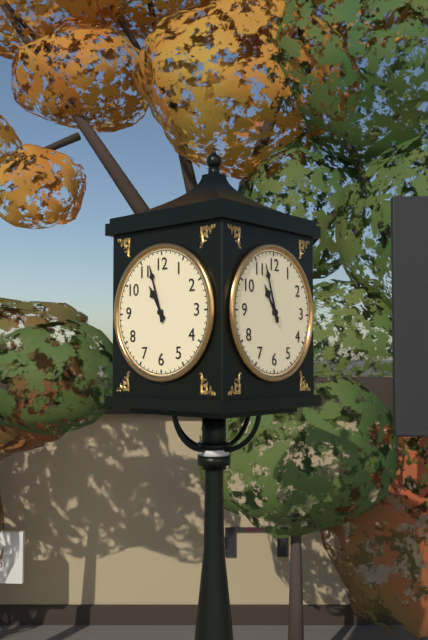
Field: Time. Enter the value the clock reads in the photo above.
10:57
